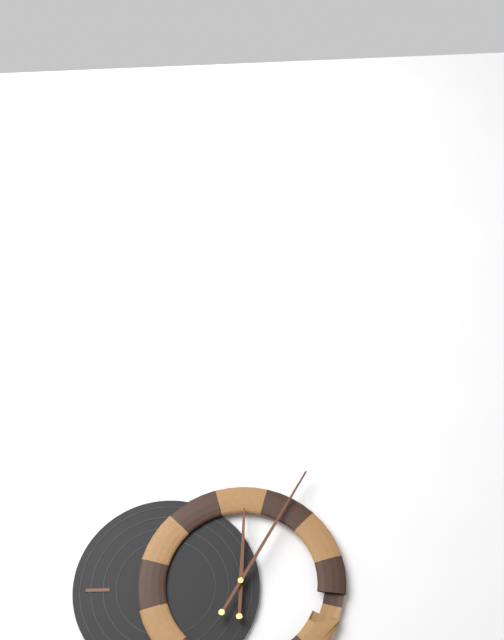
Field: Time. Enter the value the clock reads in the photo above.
12:05
